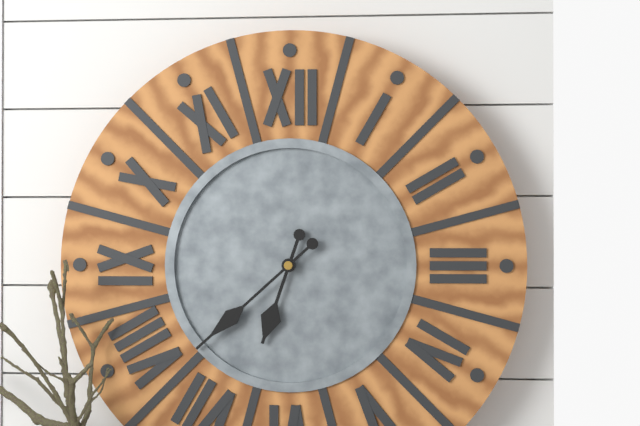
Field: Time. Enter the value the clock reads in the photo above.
6:38
